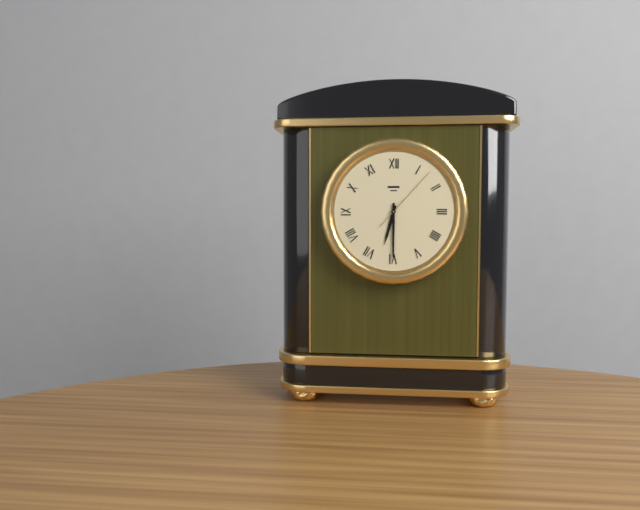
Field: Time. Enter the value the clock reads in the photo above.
6:30:07
